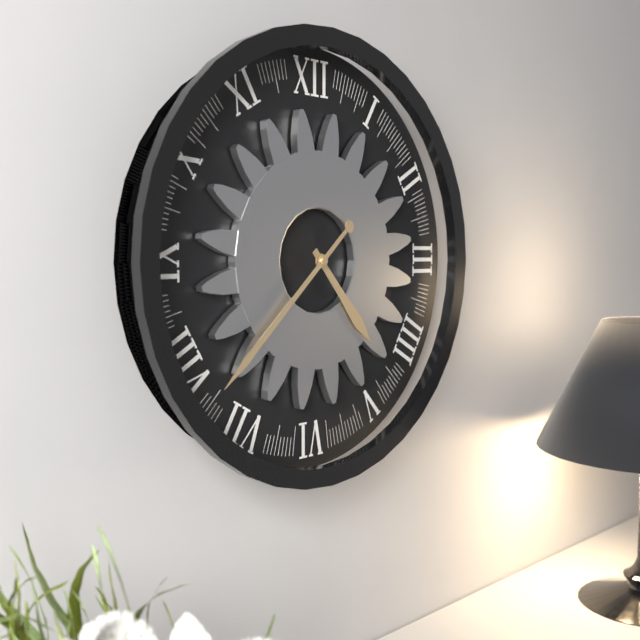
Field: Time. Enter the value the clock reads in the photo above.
4:38
